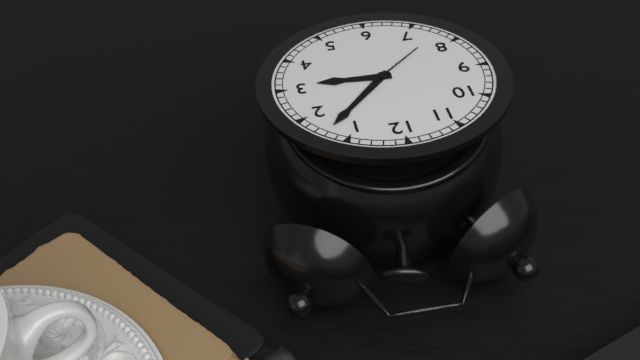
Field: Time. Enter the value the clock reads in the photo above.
3:07:38
